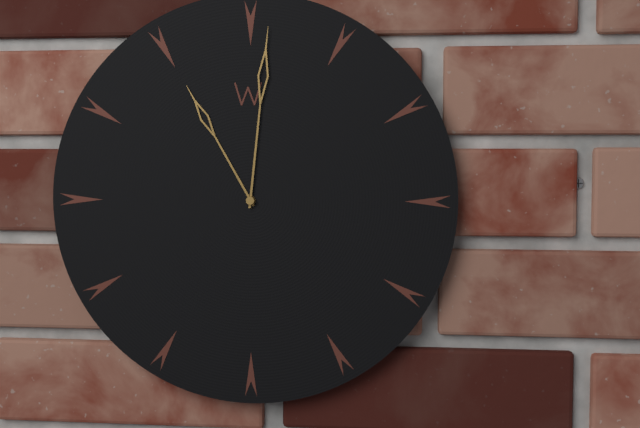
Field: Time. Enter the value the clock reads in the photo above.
11:01
